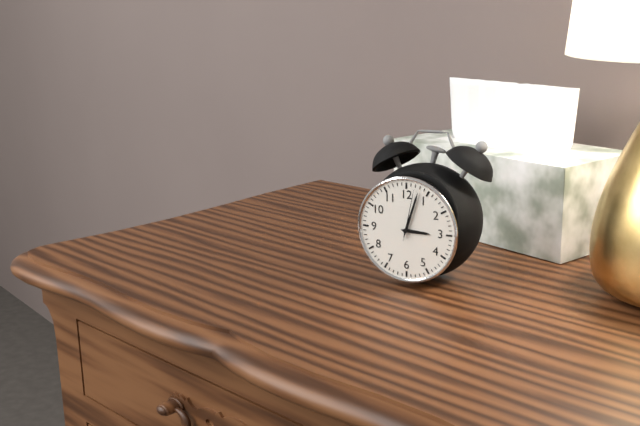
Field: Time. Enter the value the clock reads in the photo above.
3:03:02
